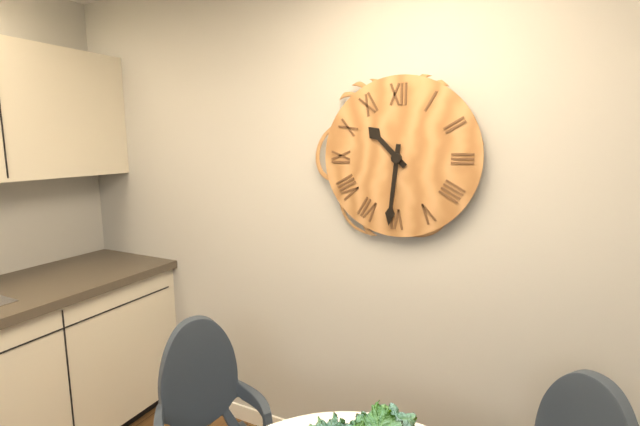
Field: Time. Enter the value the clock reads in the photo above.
10:31
